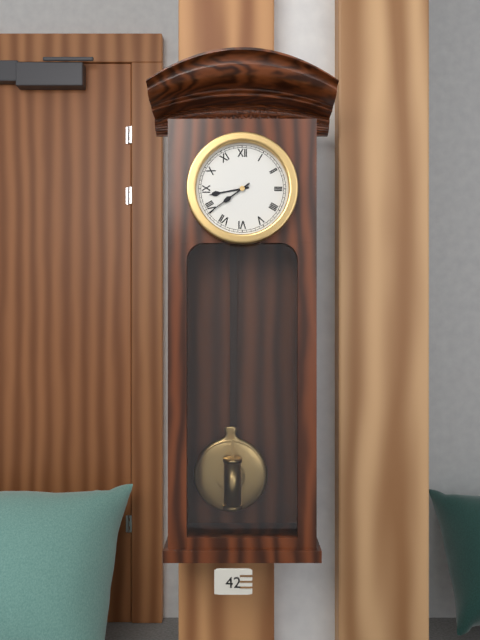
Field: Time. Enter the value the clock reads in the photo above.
8:39
